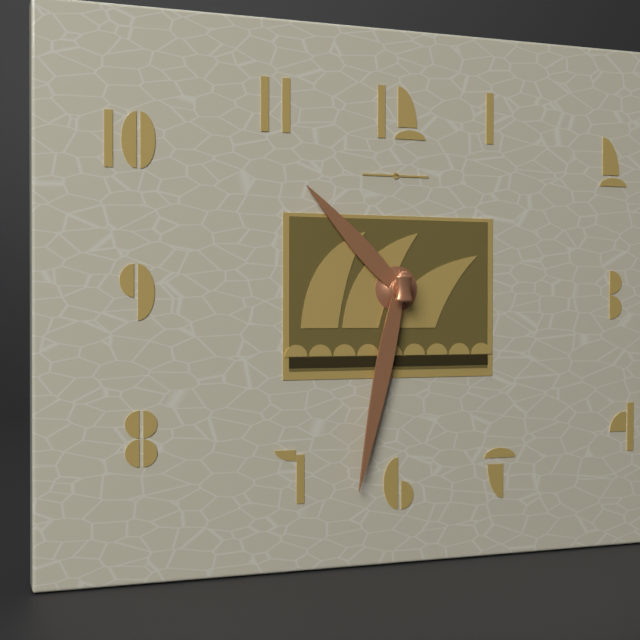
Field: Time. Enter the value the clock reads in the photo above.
10:32
